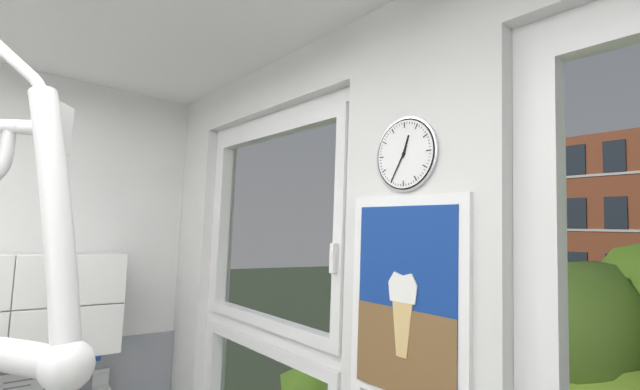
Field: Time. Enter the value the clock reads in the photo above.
12:35
